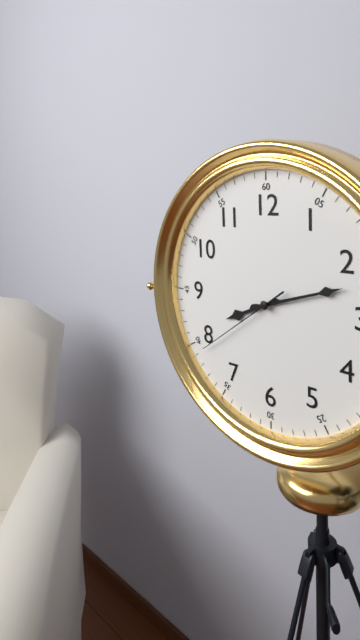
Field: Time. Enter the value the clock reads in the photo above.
8:12:39
